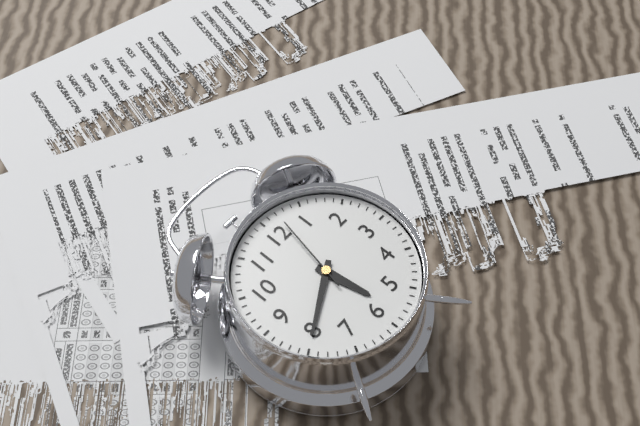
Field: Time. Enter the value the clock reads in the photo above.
5:40:02
